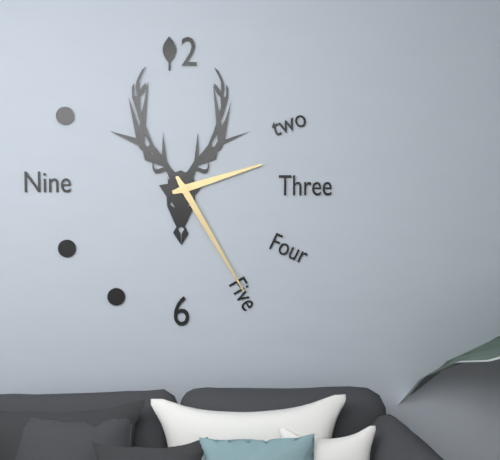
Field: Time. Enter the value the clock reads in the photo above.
2:25
